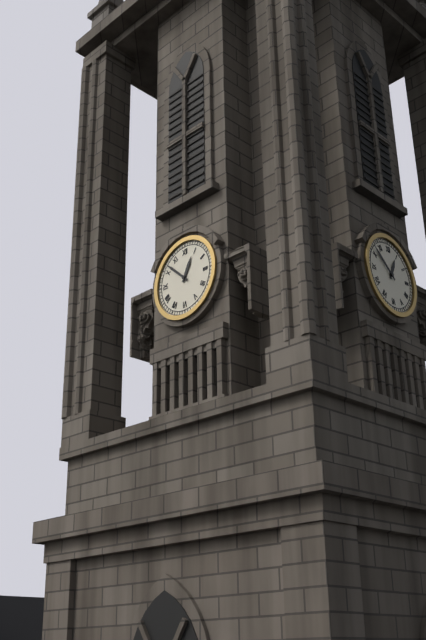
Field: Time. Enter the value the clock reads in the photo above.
12:52
